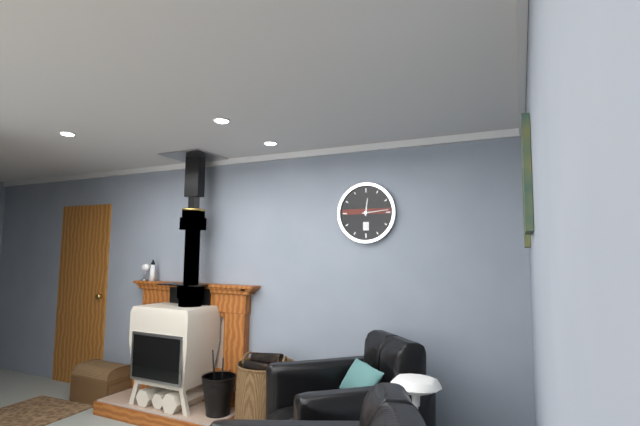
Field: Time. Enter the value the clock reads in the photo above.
12:14
